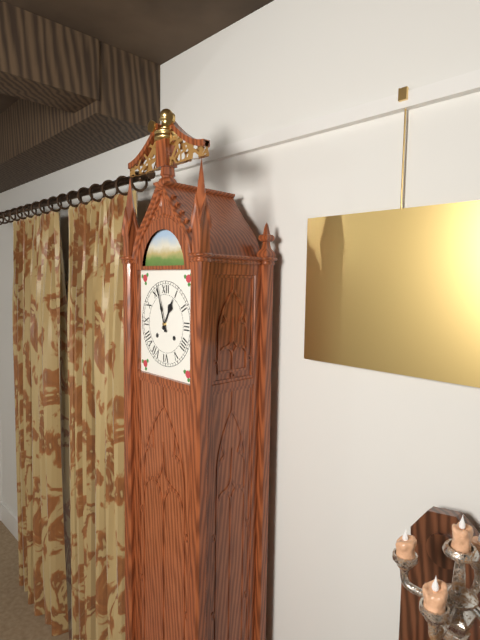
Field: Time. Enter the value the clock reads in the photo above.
12:57
